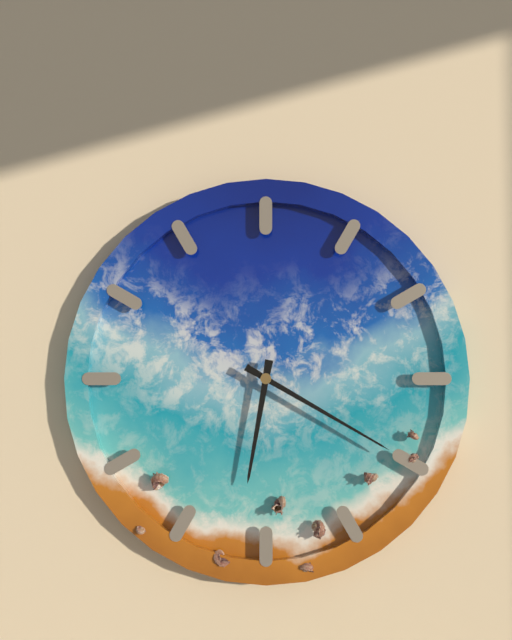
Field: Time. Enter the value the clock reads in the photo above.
6:20
